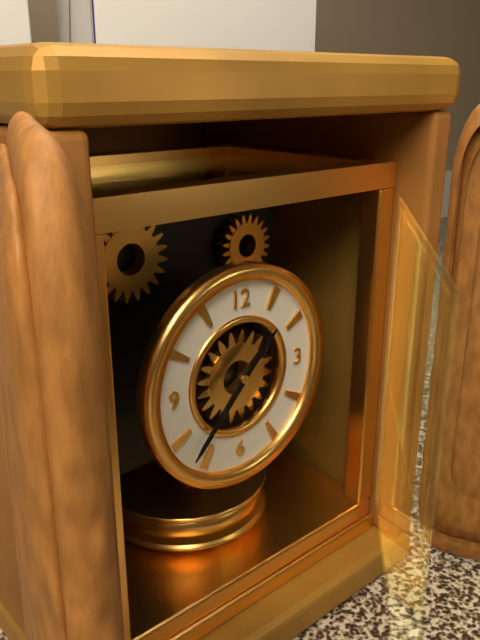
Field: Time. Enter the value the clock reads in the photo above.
1:37
